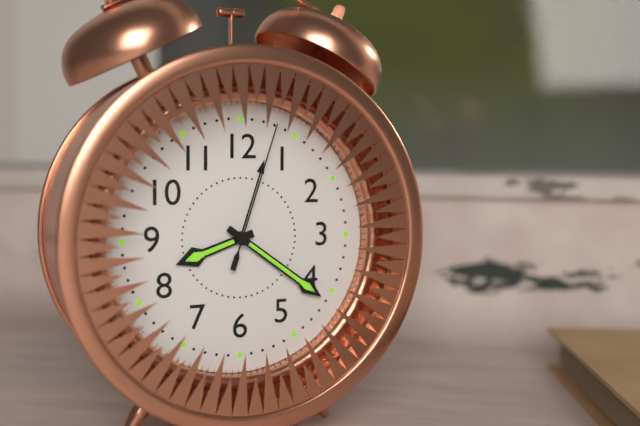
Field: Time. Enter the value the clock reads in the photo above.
8:21:03
